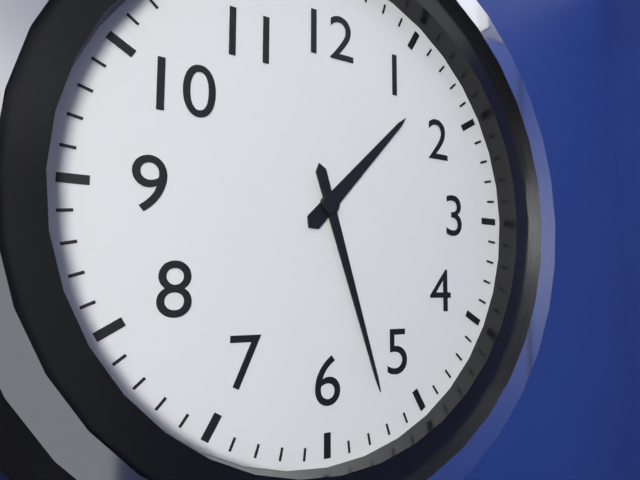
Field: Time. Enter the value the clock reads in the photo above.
1:27
